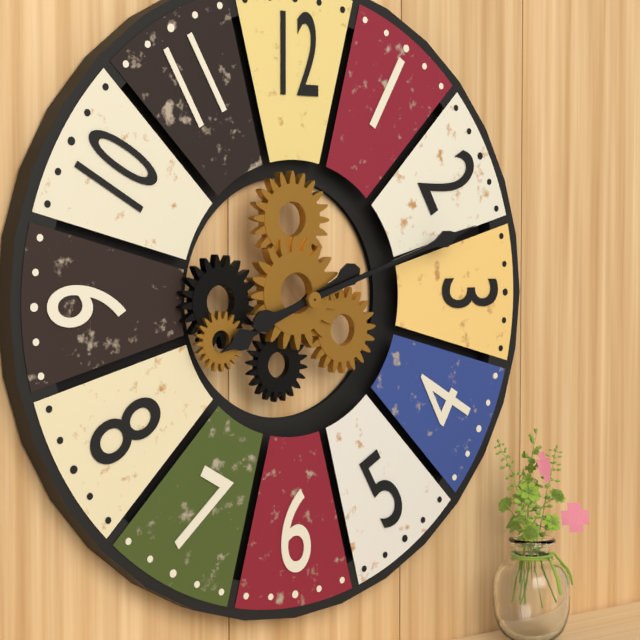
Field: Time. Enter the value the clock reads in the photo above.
8:12
